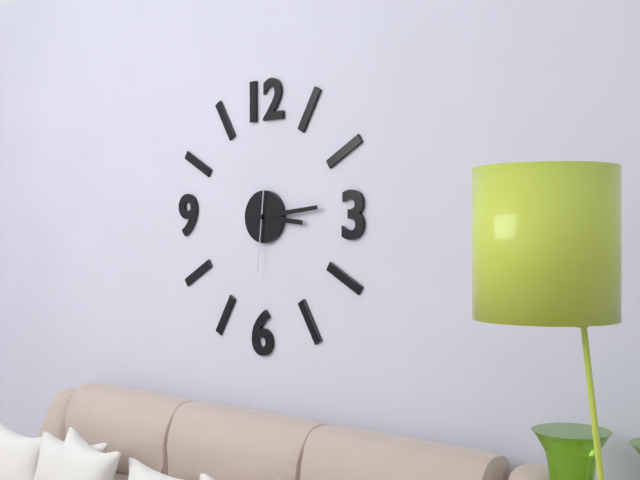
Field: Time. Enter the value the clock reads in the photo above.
3:14:31
